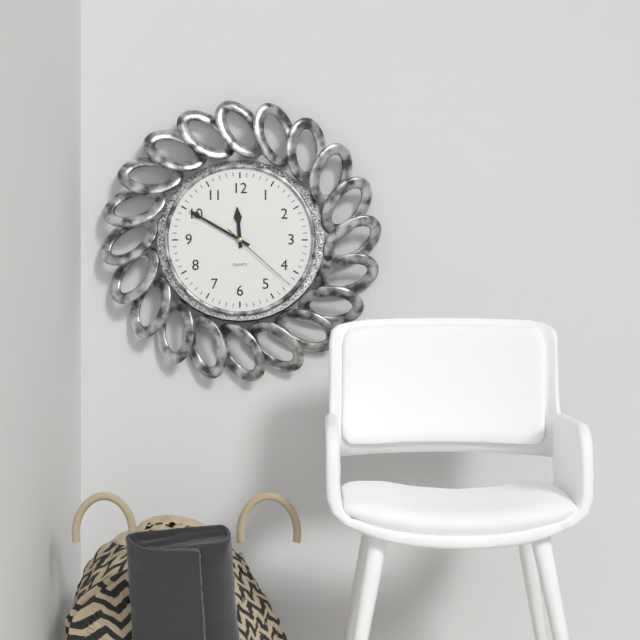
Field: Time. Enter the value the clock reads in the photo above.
11:50:22
